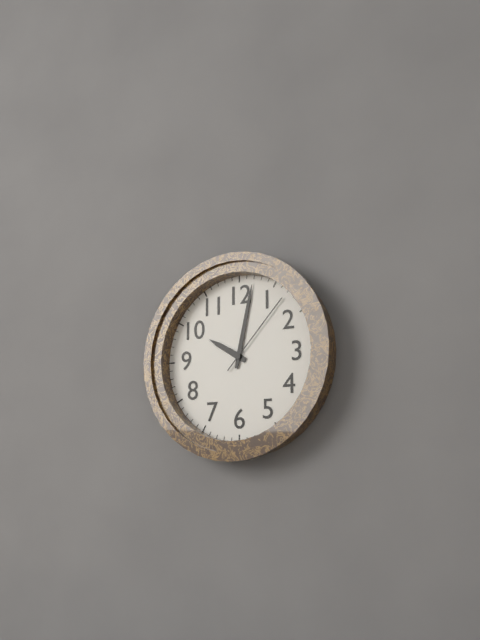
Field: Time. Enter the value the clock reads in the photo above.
10:02:07
